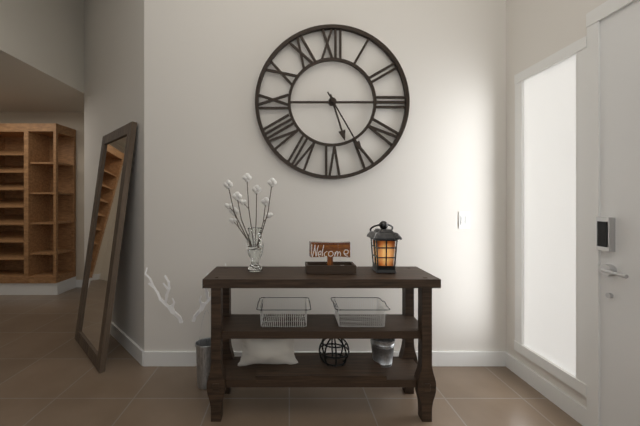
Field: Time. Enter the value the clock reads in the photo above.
5:25
